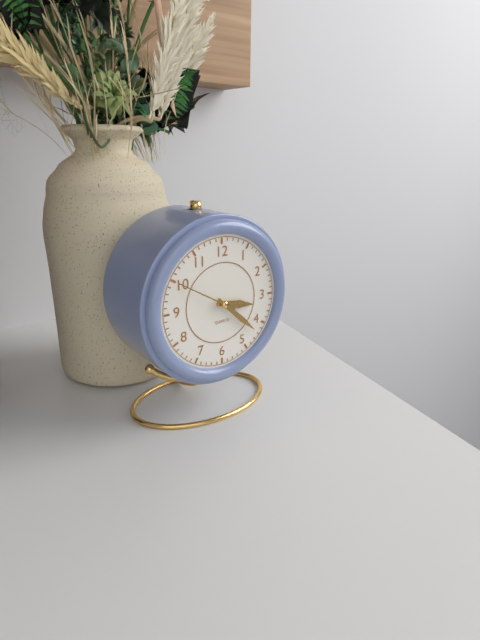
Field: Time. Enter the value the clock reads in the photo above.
3:22:50
